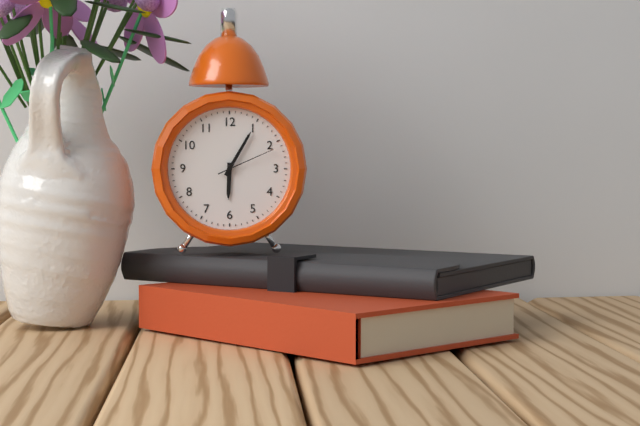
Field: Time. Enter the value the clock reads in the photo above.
6:05:11
